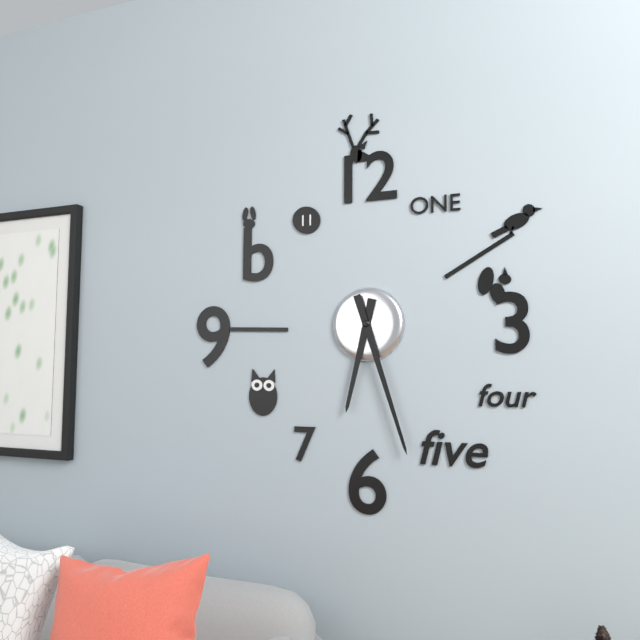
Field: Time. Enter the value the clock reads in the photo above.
6:27
